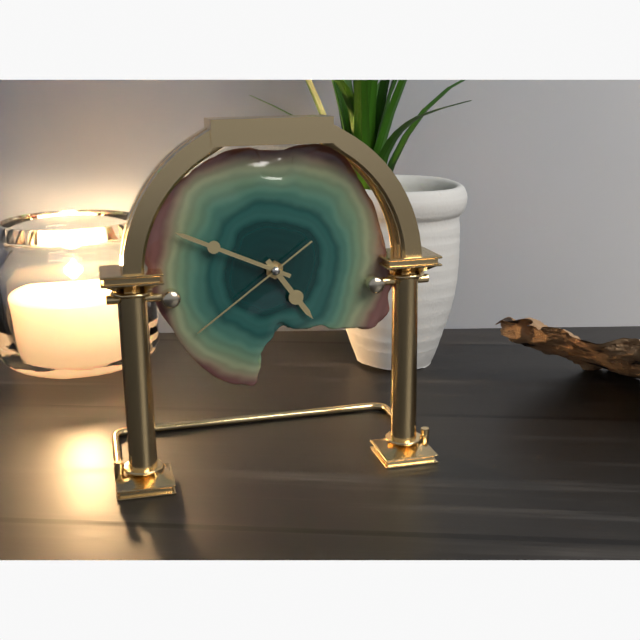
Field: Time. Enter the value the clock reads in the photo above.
4:49:39
